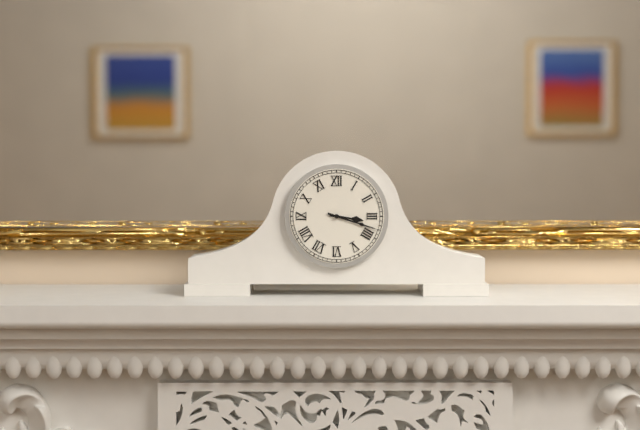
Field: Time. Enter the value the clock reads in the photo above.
3:18
